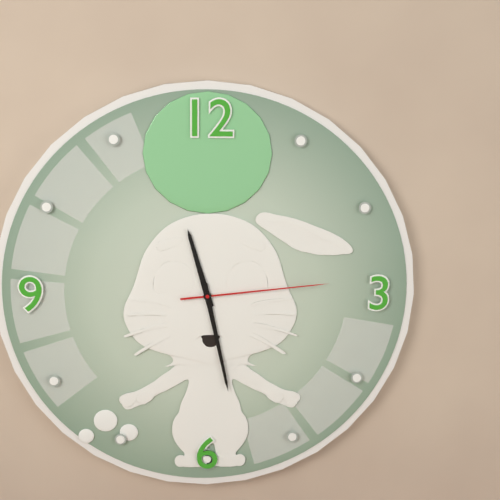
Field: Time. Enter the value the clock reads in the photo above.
11:28:14
